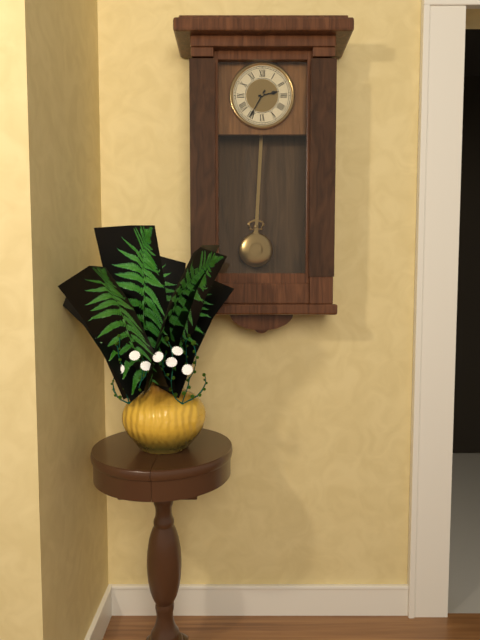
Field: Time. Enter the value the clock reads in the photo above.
2:35
